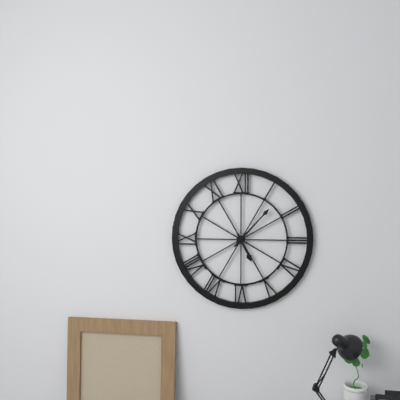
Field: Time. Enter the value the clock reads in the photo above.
5:07
